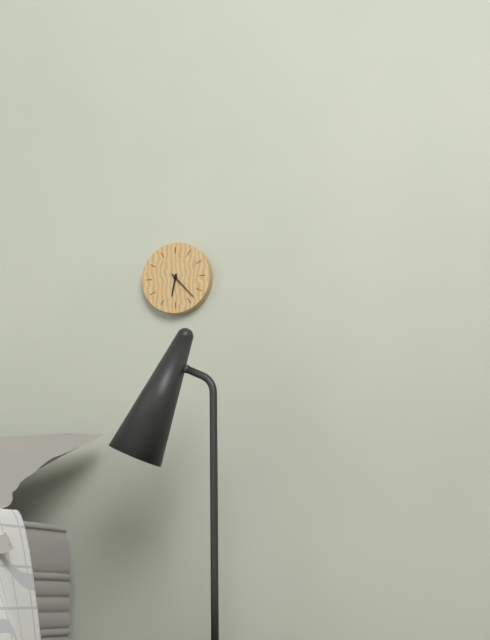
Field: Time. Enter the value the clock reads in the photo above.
6:23
